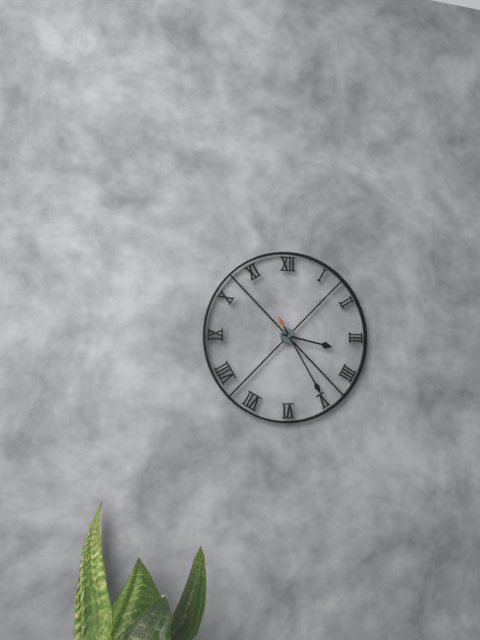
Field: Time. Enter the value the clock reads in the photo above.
3:25
